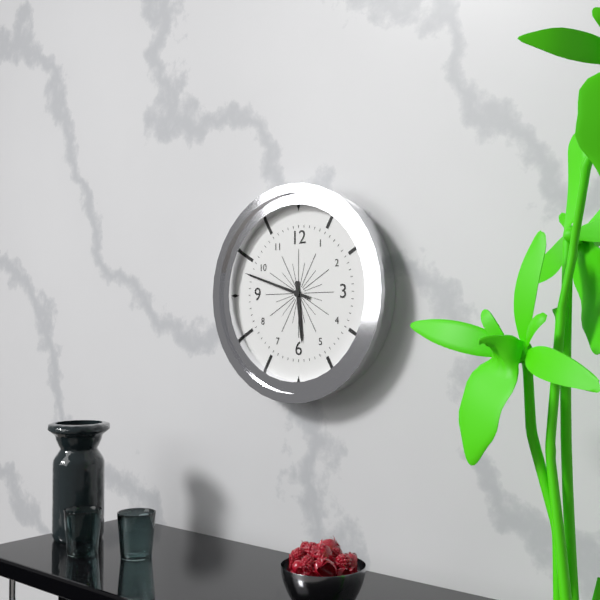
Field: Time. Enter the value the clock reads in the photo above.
5:48
